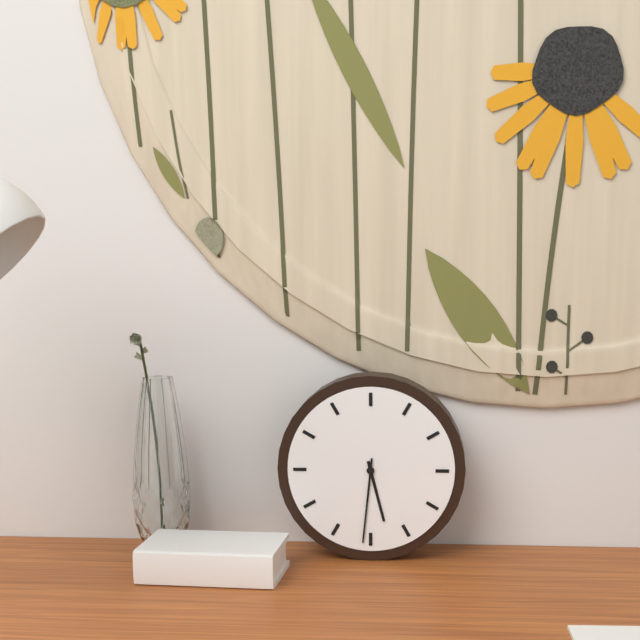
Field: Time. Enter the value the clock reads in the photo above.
5:31
